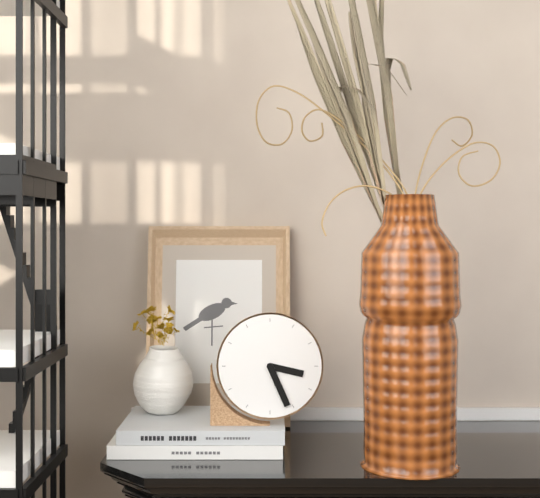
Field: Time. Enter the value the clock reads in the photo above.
3:26
